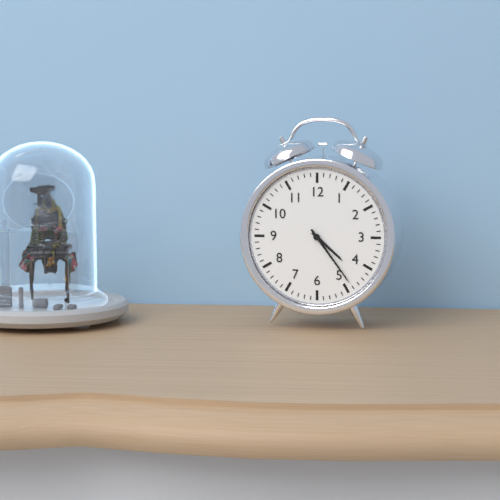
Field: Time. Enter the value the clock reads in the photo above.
4:24
